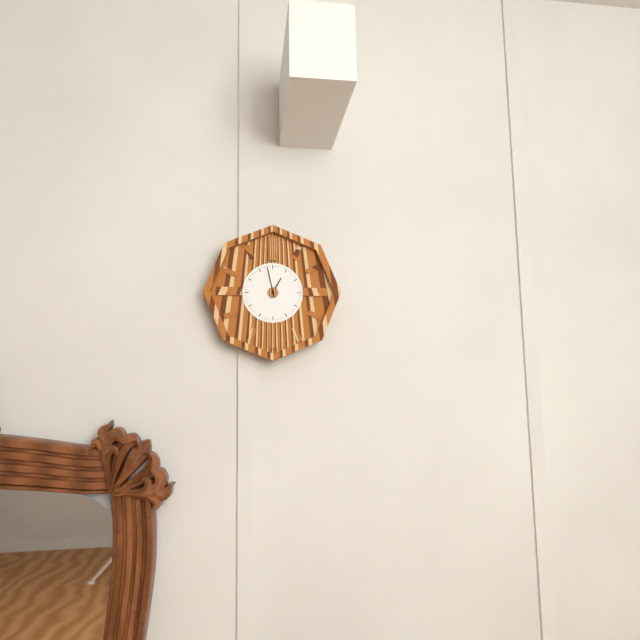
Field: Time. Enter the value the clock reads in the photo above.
12:58
